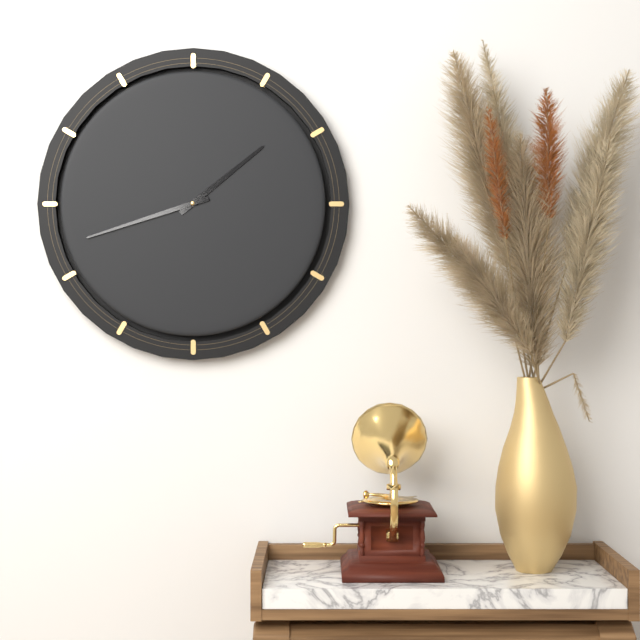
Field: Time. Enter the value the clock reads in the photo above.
1:42
